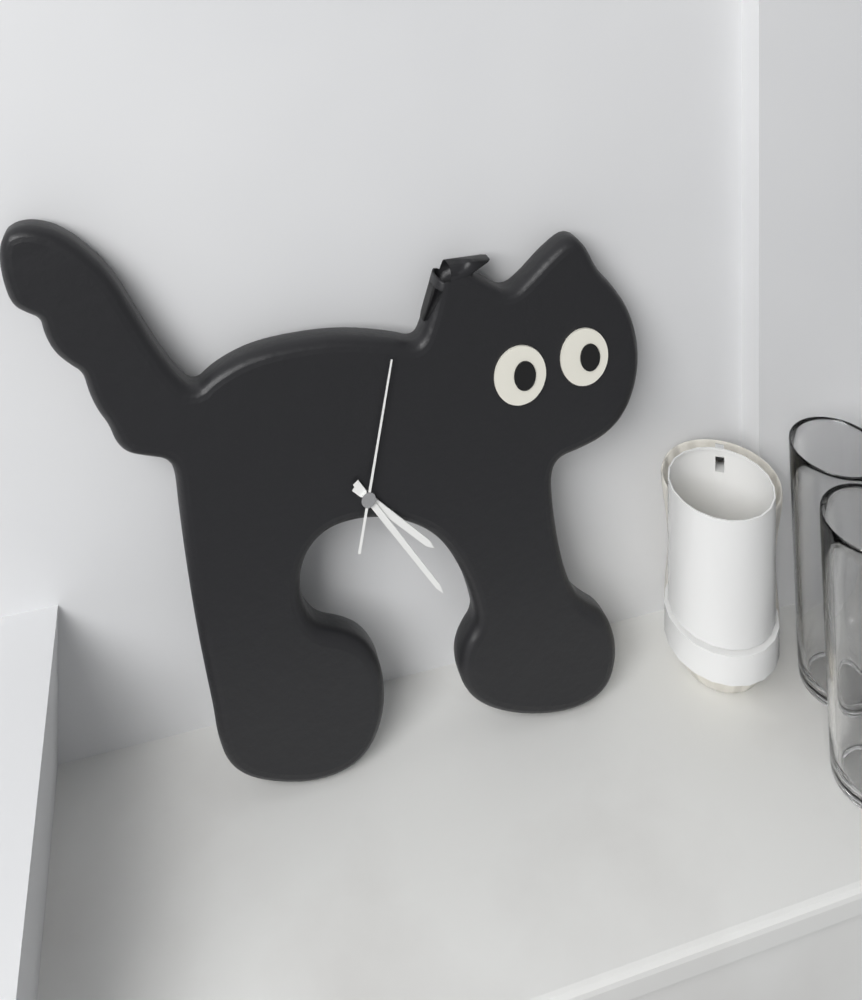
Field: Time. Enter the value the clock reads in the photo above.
4:24:02
